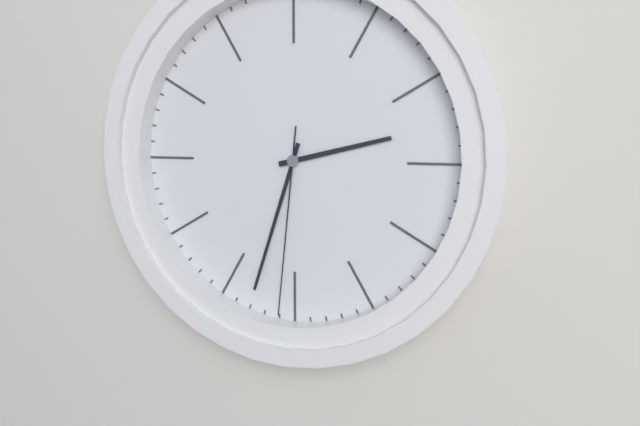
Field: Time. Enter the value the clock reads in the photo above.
2:33:31
